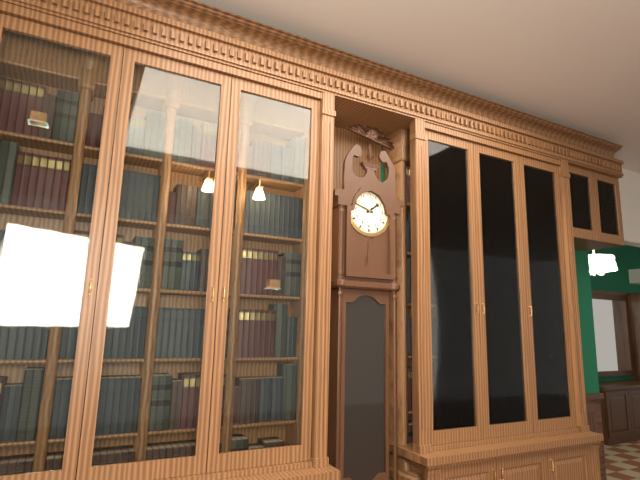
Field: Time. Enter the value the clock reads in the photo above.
1:48
